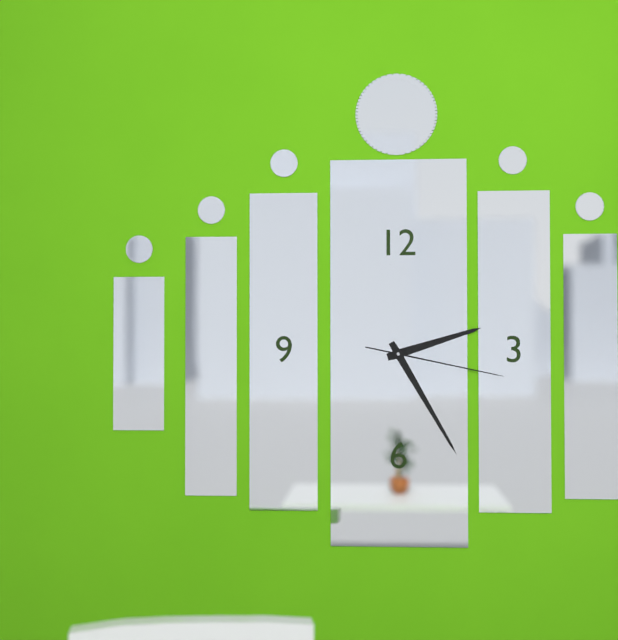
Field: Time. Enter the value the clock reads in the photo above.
2:25:17
